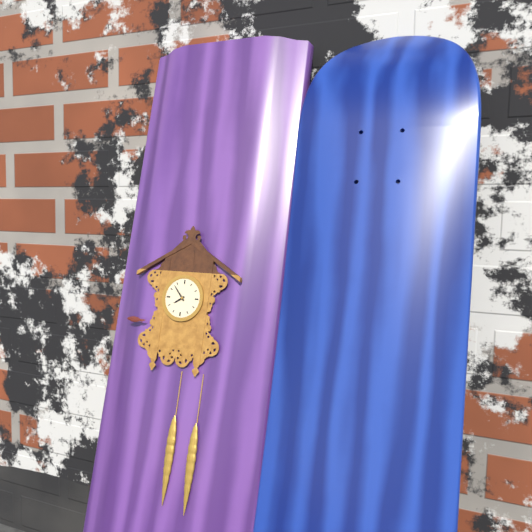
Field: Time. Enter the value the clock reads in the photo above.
7:53
